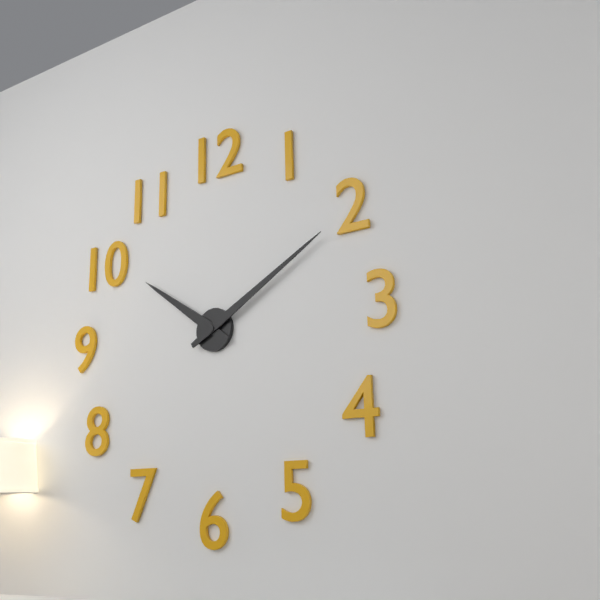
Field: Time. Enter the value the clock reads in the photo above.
10:10
